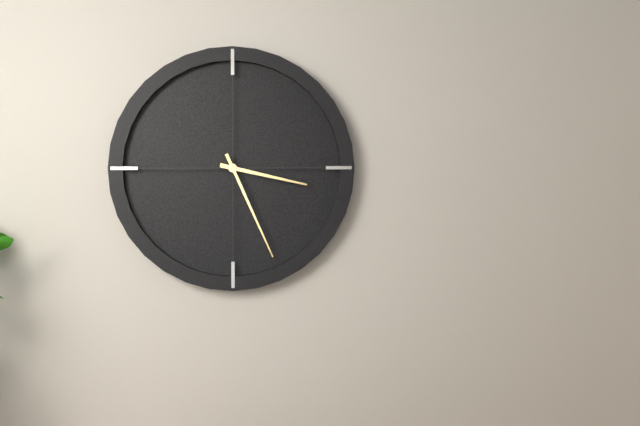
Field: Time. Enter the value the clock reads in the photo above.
3:26
